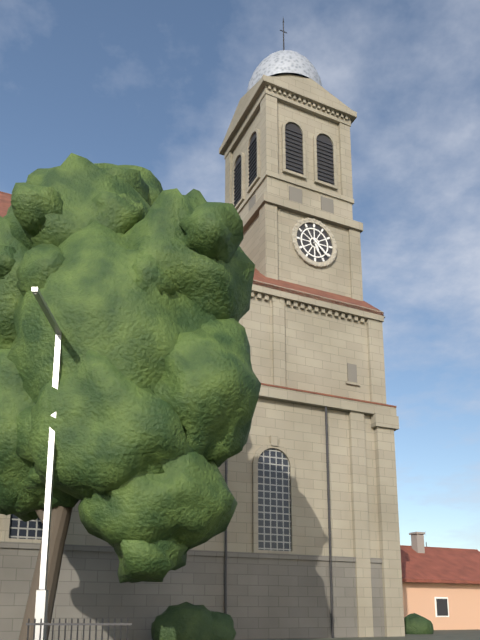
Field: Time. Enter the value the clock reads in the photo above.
5:22
